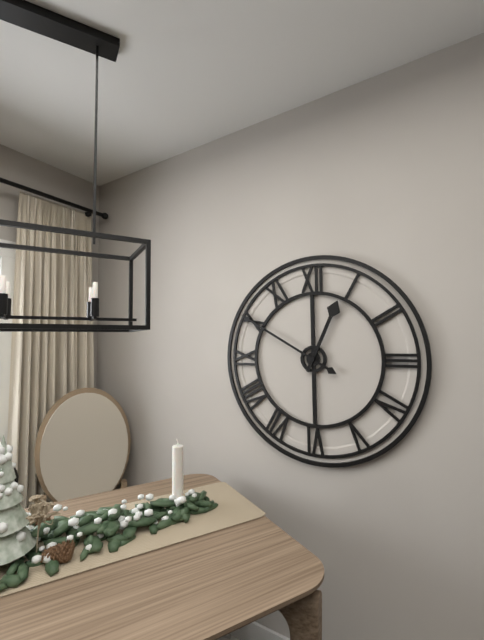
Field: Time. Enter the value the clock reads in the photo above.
12:50
